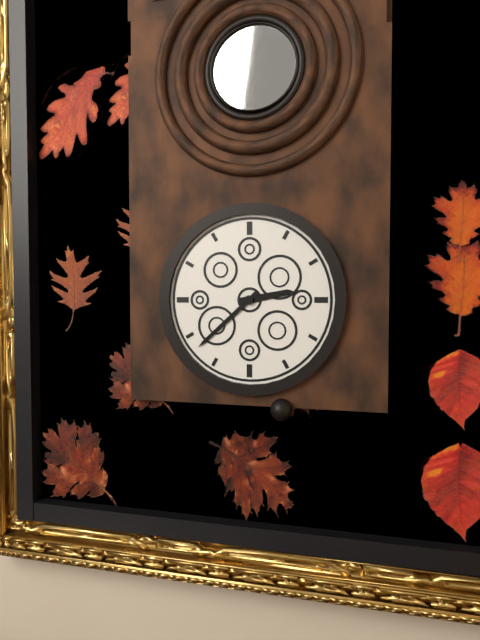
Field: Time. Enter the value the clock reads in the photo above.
2:38
